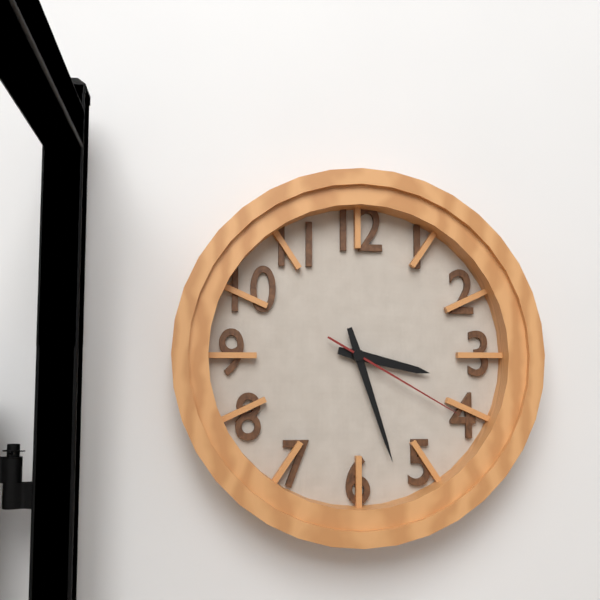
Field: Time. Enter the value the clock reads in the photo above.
3:27:20
